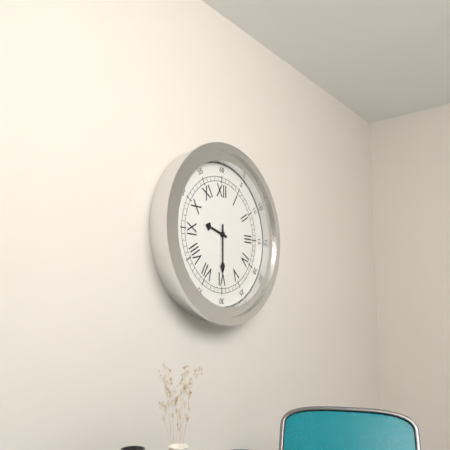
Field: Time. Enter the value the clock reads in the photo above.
9:30
